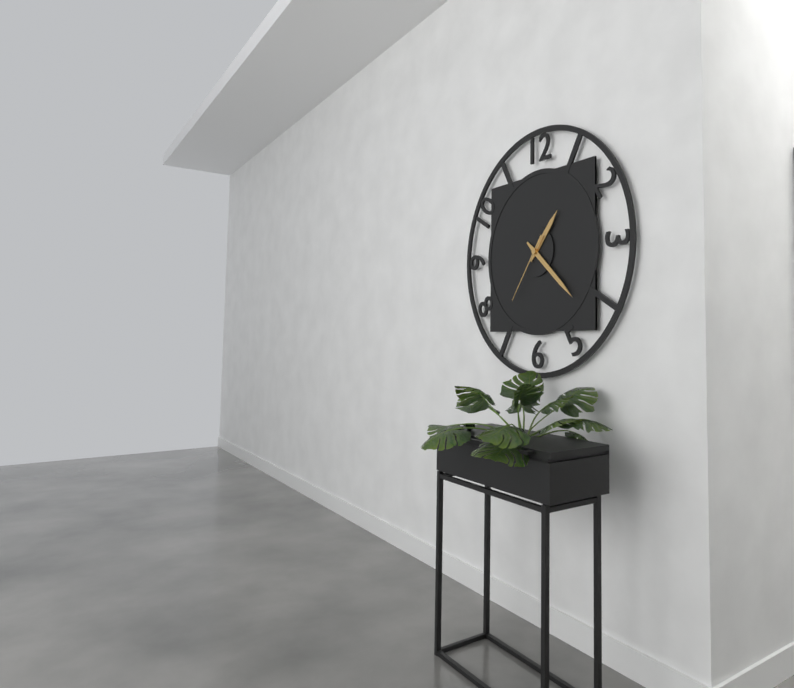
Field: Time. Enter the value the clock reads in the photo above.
1:22:36
